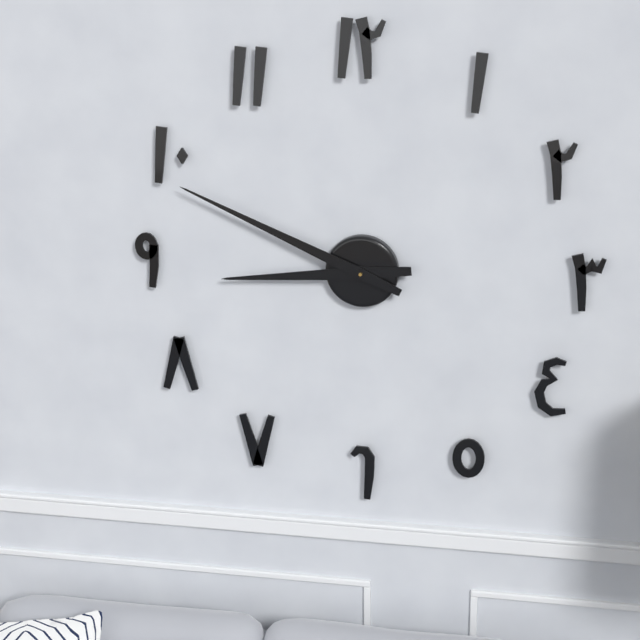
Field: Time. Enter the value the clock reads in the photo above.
8:49
